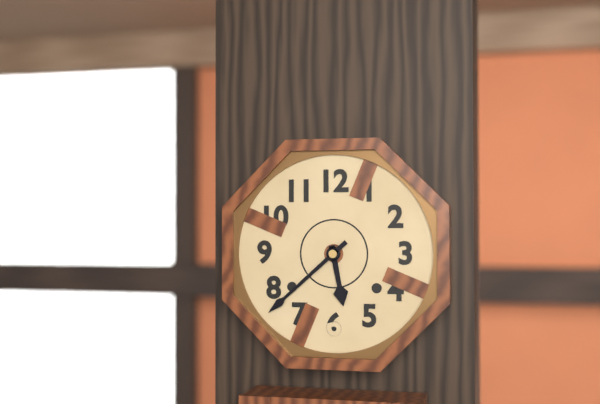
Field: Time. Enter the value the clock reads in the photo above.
5:38
